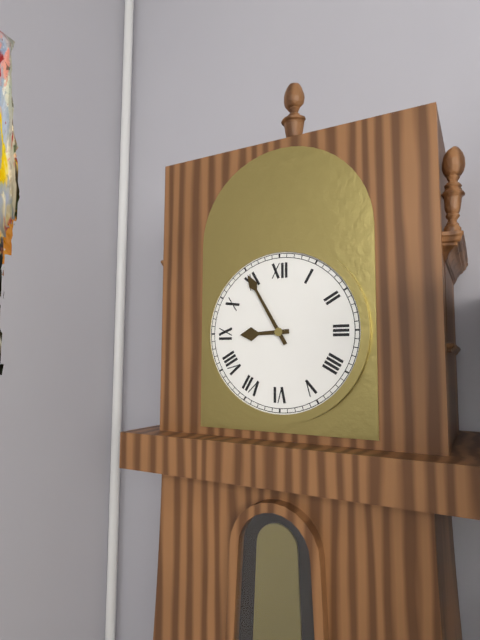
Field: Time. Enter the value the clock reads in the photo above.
8:55
